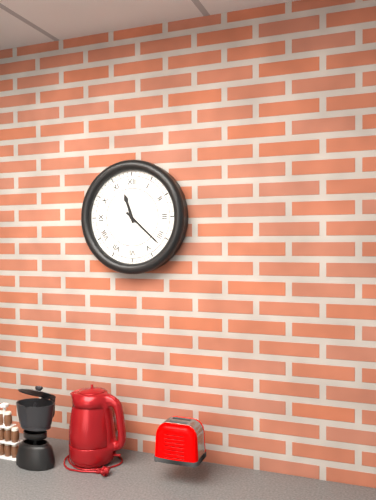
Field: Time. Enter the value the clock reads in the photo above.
11:22
